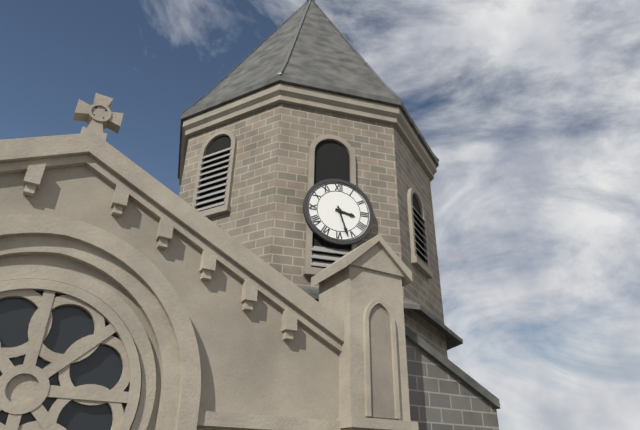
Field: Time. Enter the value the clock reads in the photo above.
3:27
